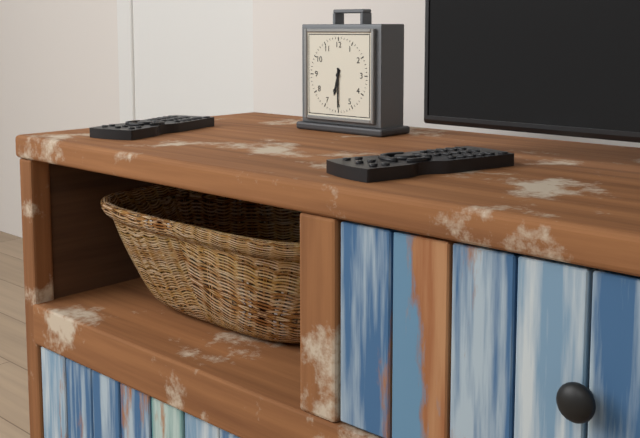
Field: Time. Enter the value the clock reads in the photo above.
6:30
